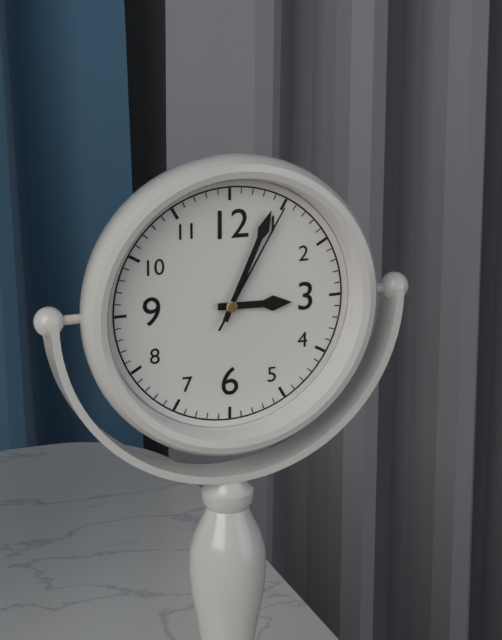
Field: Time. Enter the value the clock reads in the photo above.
3:04:05
